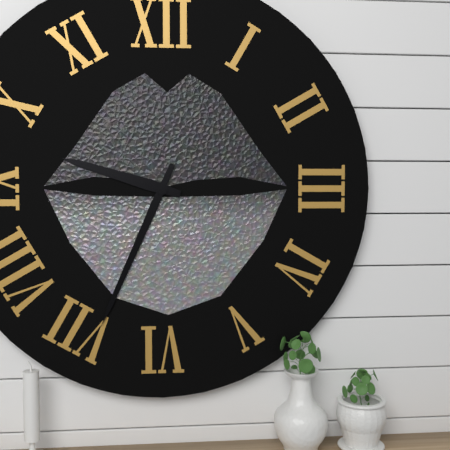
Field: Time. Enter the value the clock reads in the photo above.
9:34
